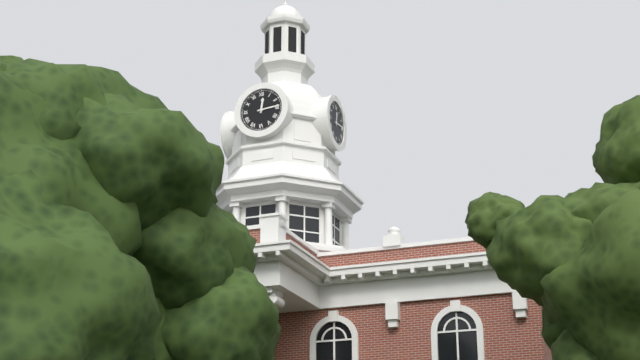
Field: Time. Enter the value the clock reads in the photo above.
12:14
